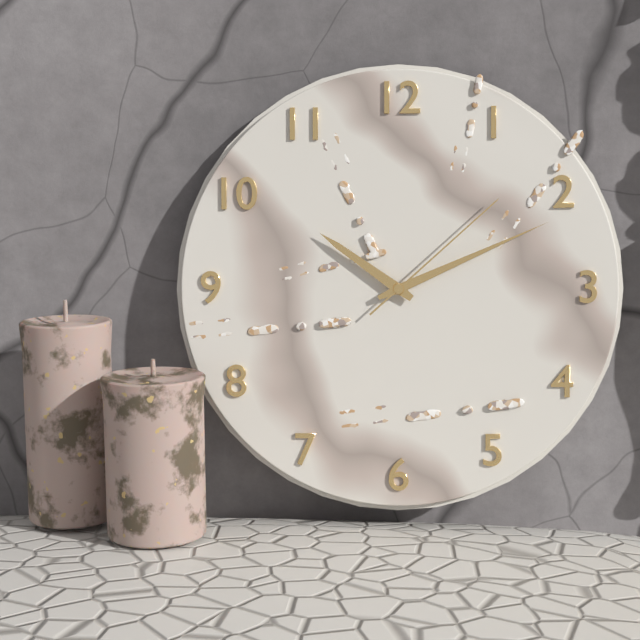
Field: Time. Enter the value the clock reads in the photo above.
10:11:08
